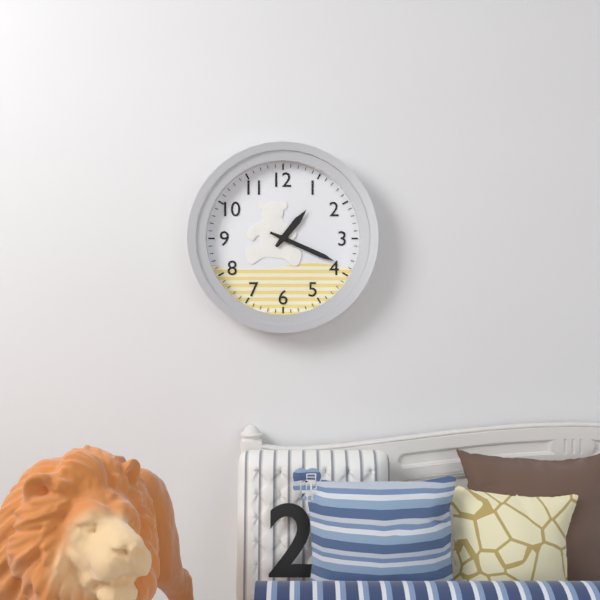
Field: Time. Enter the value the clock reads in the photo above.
1:19
